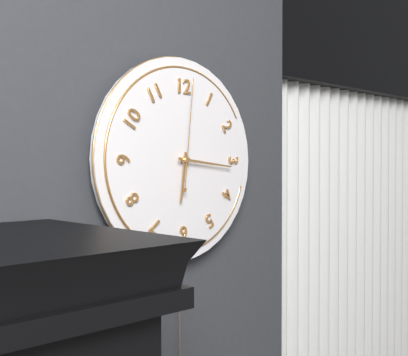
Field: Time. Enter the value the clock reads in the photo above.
6:16:01
